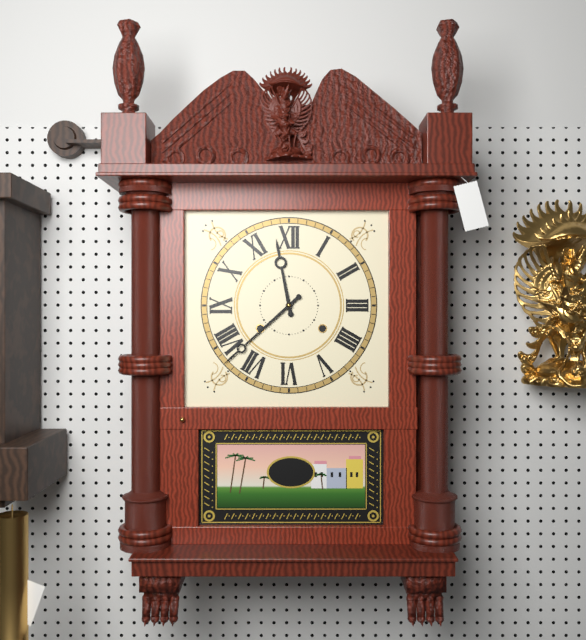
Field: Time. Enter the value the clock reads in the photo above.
11:38
